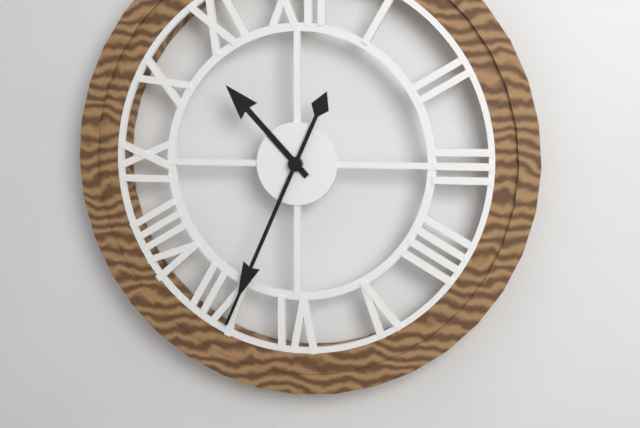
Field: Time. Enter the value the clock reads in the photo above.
10:34
